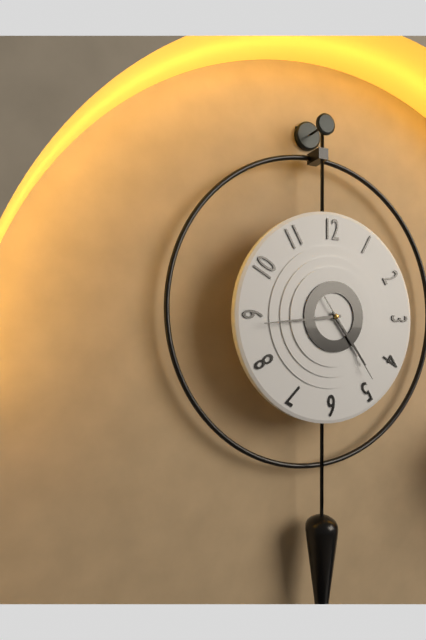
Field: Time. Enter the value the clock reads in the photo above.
4:44:24
